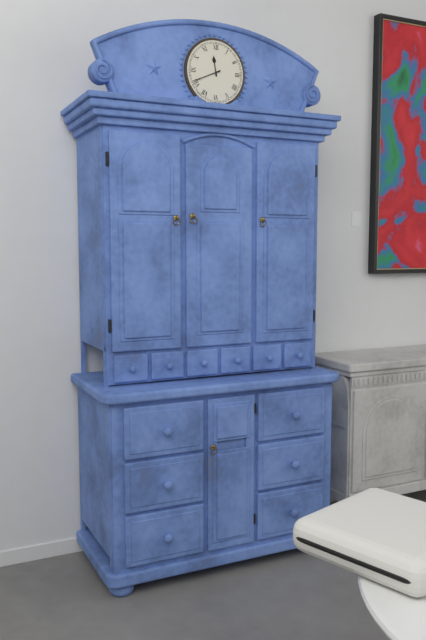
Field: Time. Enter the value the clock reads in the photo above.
11:41
